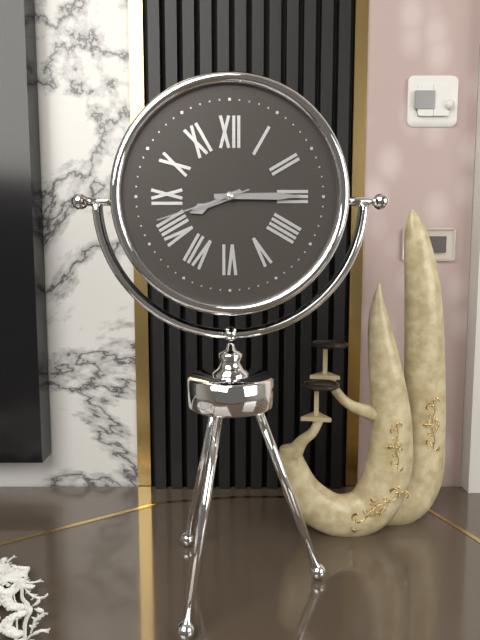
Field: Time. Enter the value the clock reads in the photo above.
8:15:42
